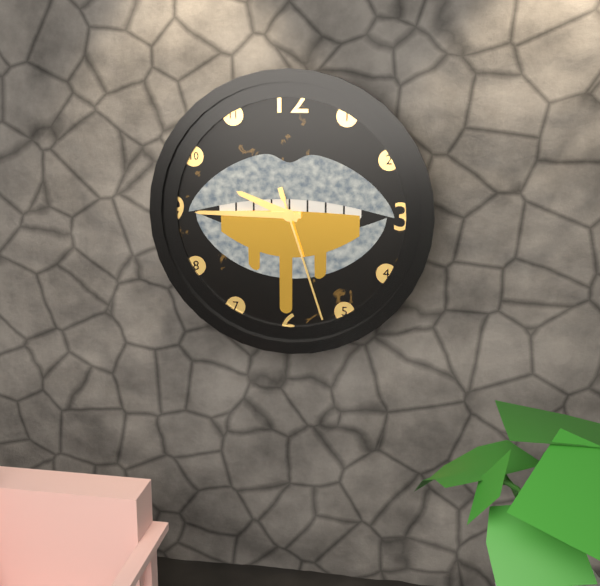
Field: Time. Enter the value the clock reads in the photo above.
9:45:27
